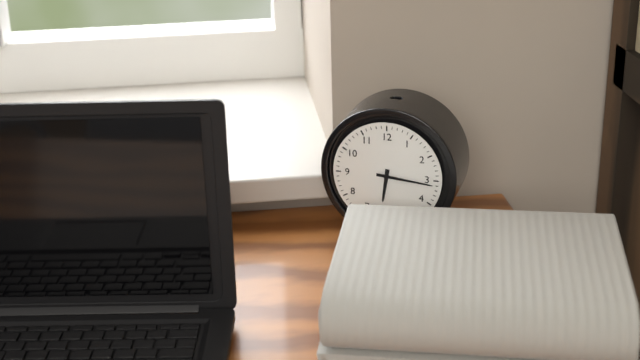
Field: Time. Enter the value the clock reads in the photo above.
6:16
